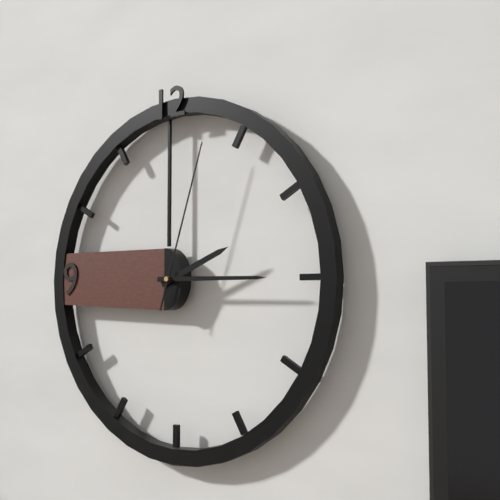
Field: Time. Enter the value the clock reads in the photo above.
2:15:03
